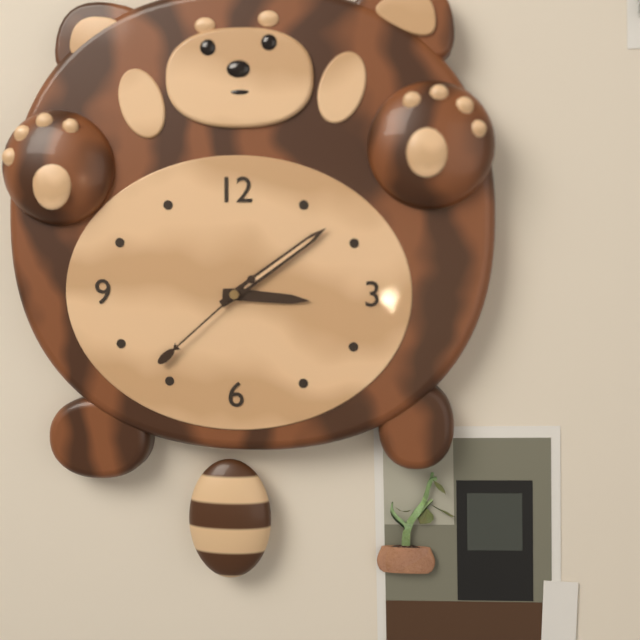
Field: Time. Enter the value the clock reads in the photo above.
3:09:38
